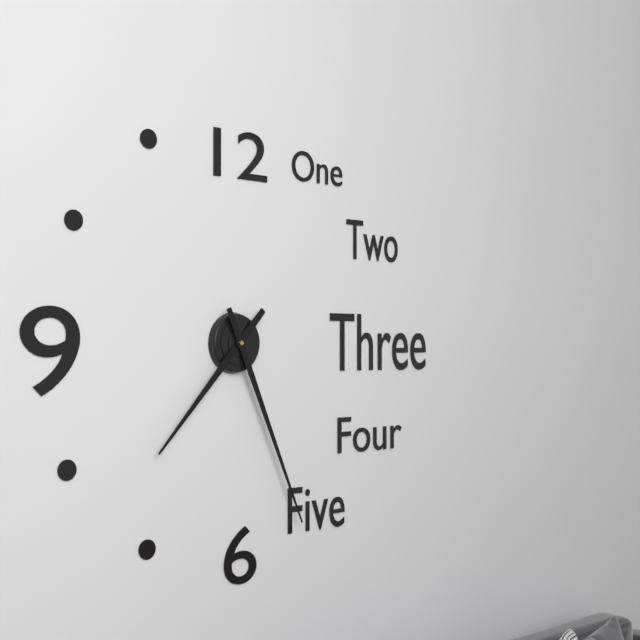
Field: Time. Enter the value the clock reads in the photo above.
7:26
